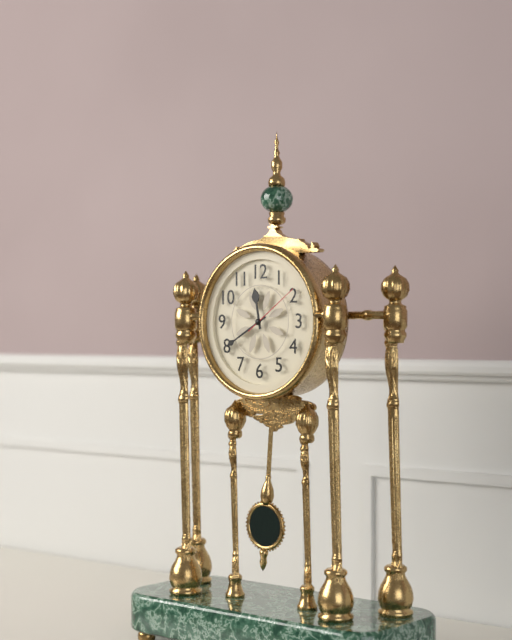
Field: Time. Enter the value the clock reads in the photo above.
11:40:09
